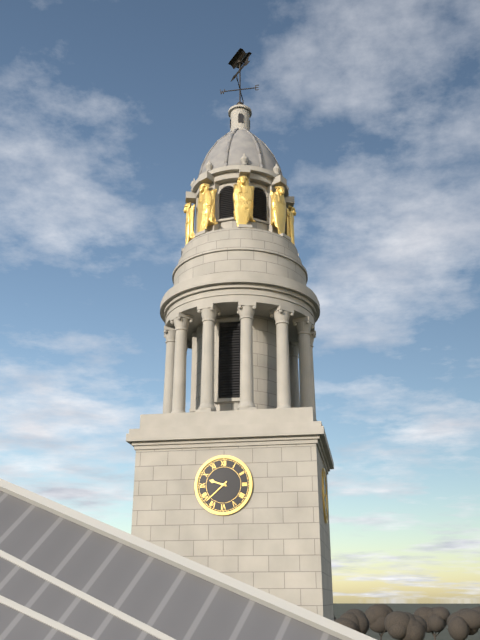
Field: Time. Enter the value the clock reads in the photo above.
9:38
